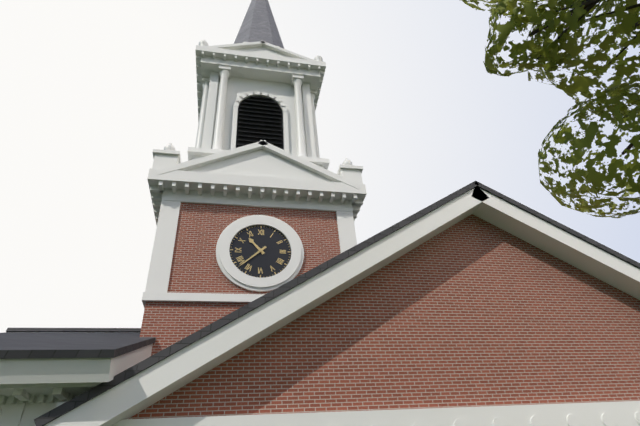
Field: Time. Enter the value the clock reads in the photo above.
10:38
